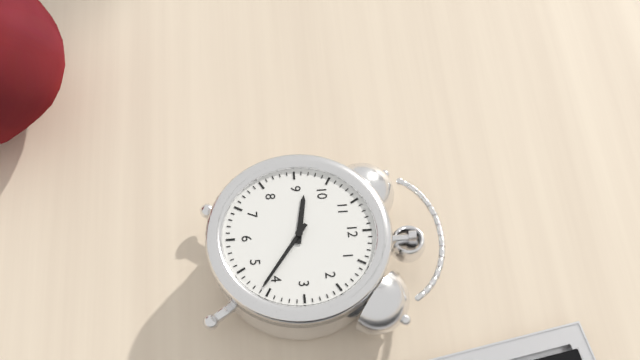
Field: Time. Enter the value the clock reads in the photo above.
9:21
